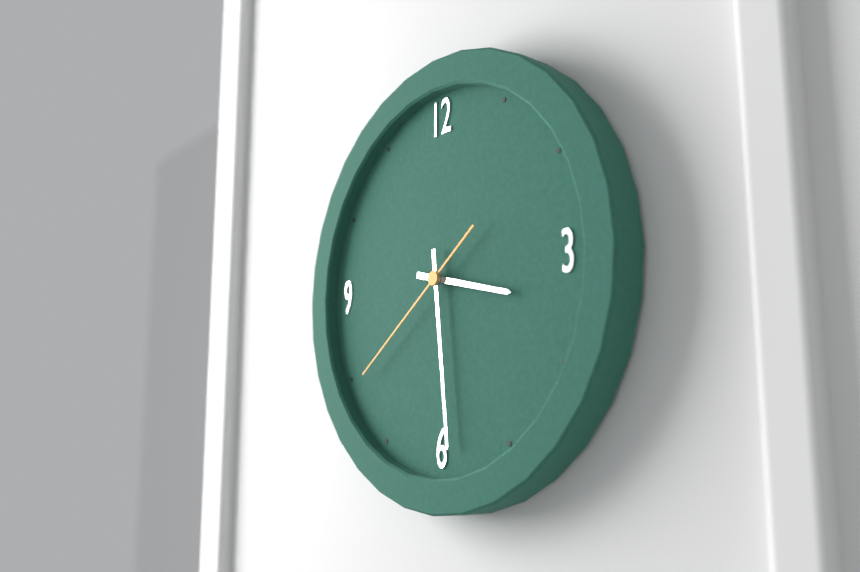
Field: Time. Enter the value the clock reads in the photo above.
3:29:39
